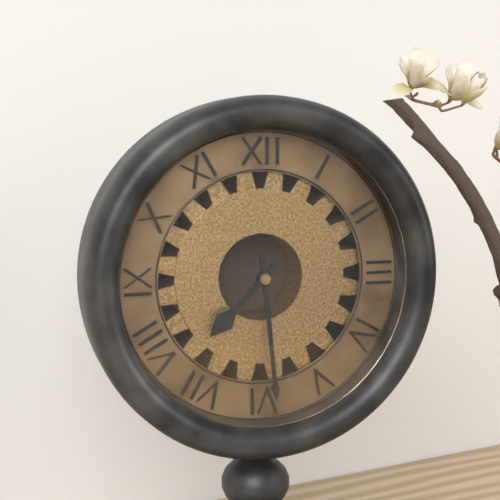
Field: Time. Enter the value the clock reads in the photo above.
7:29
